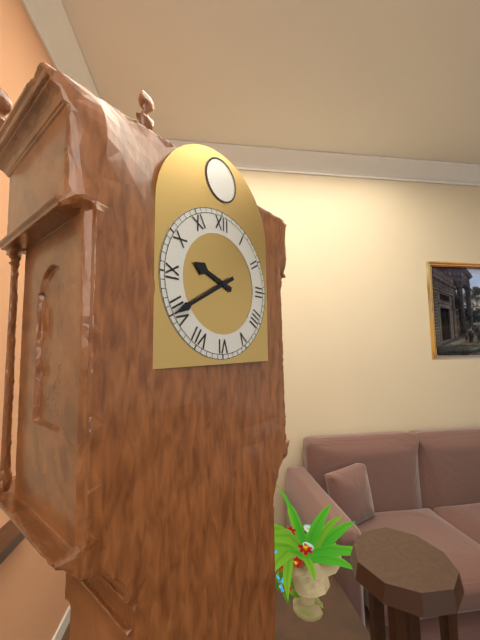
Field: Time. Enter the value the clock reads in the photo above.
9:40
